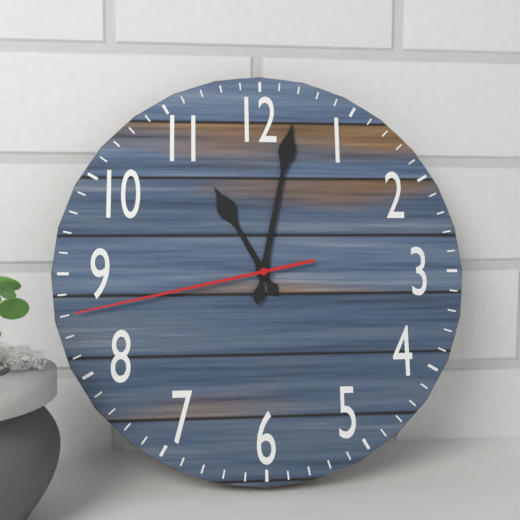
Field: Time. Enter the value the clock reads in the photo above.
11:02:43
